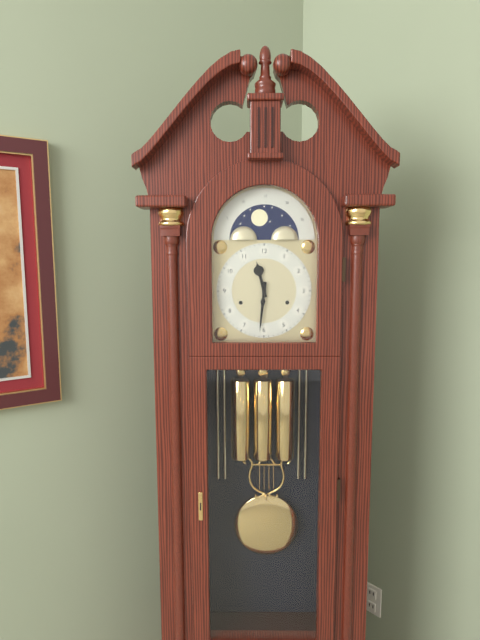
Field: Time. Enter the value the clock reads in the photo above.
11:31
